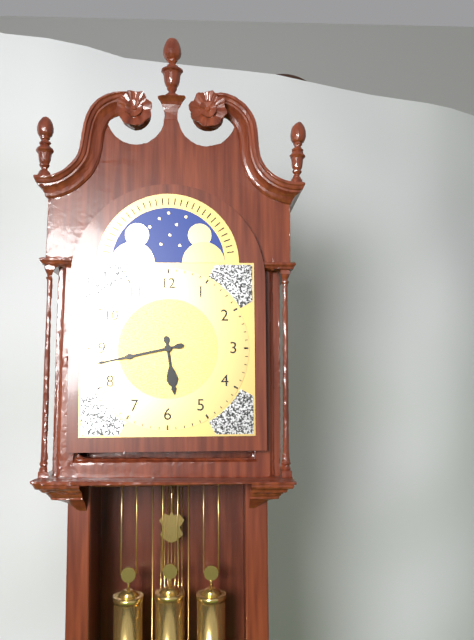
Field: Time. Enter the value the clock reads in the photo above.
5:43
